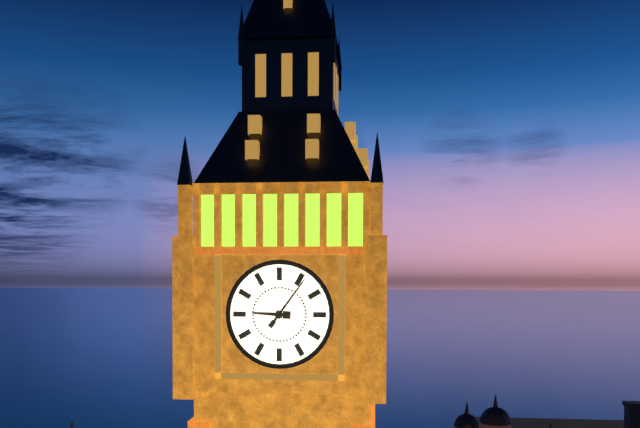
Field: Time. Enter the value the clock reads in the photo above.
9:06
